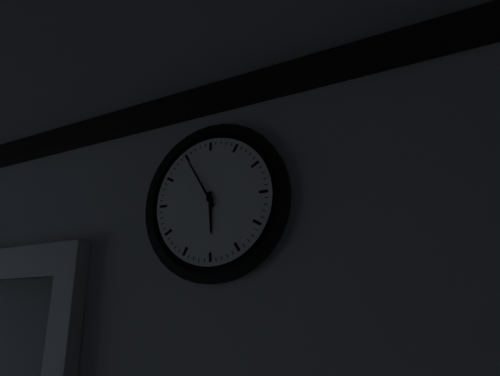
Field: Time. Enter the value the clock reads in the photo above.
5:55
